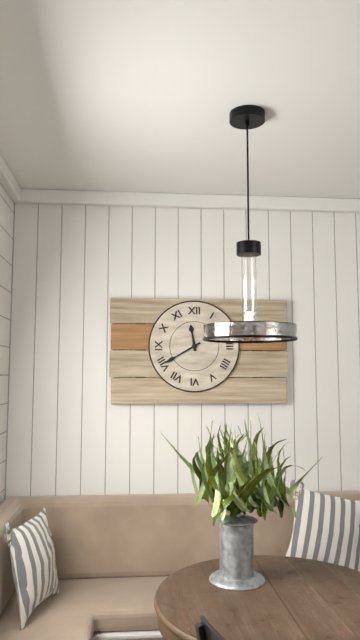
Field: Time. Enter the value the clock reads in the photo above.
11:40
